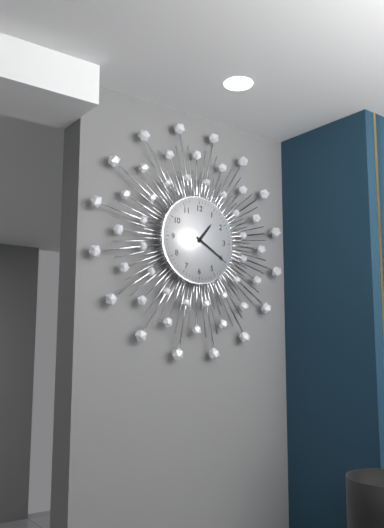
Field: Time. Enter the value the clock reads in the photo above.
1:20
